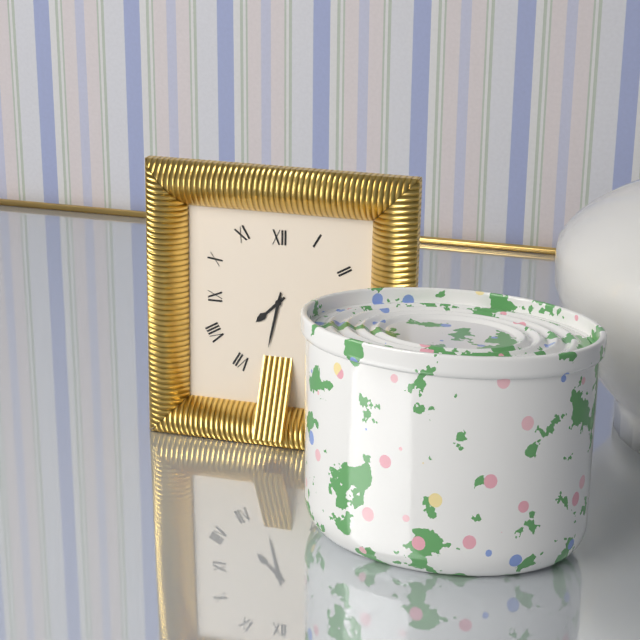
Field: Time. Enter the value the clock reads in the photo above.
7:32
